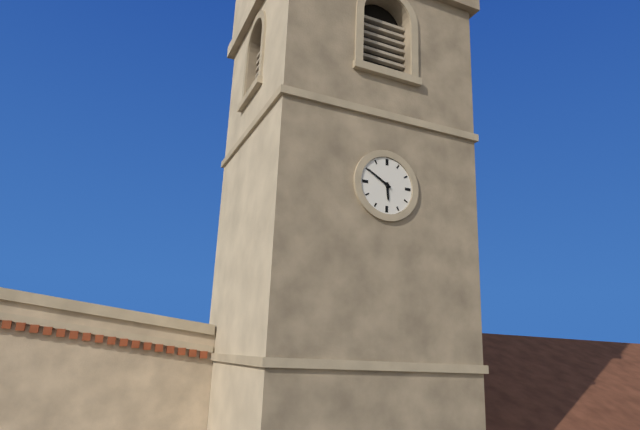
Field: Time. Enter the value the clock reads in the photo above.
5:50
